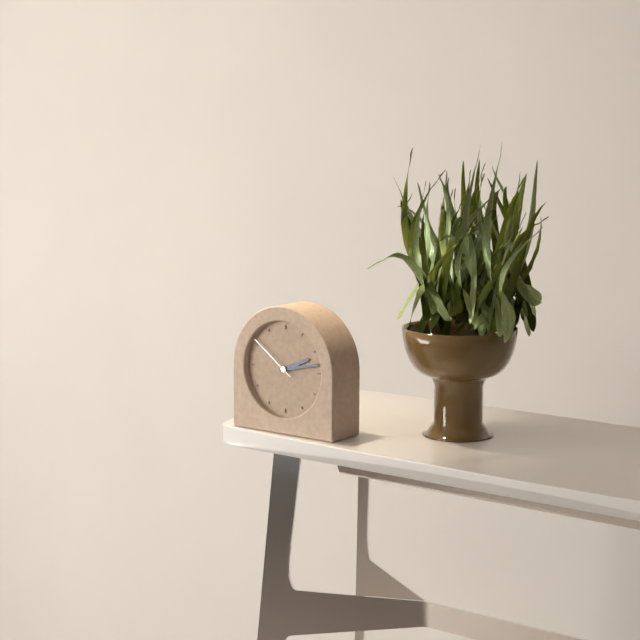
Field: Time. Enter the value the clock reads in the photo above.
2:13:51
